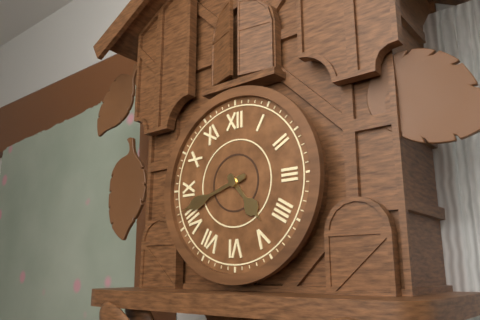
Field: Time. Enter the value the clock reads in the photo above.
4:42
